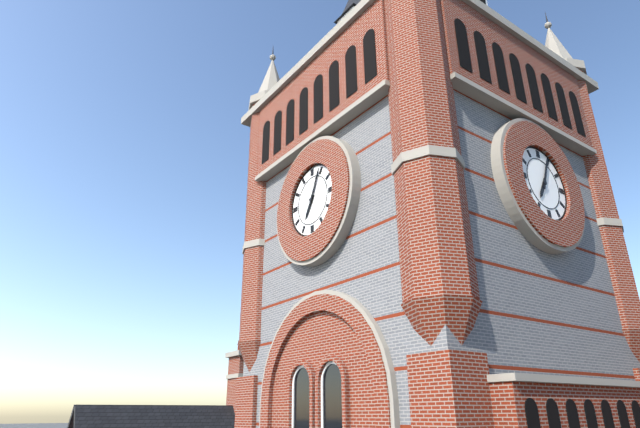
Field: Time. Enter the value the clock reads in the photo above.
7:04
